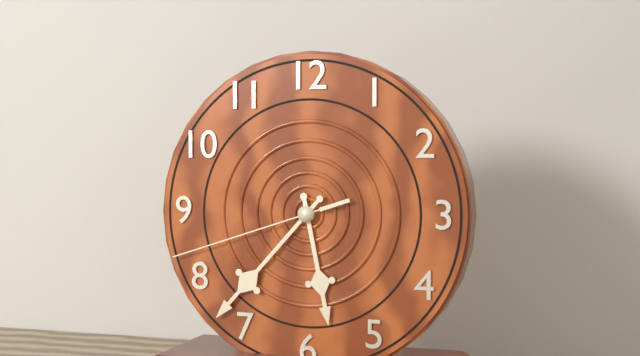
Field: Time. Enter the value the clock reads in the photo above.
5:37:42
